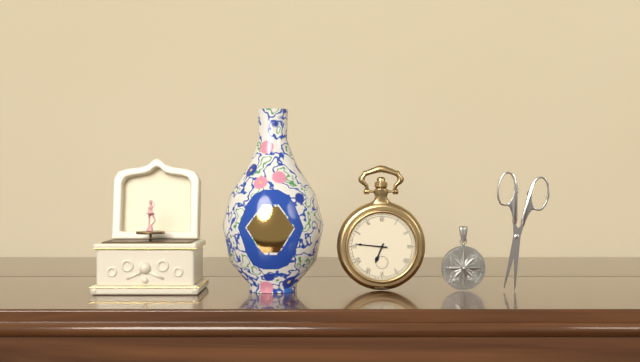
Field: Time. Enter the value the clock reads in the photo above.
6:46
